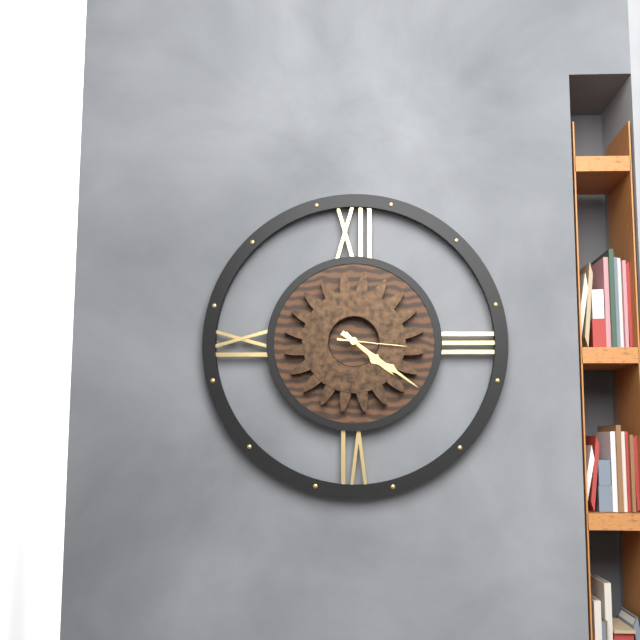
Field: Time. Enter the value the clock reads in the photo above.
4:21:16
